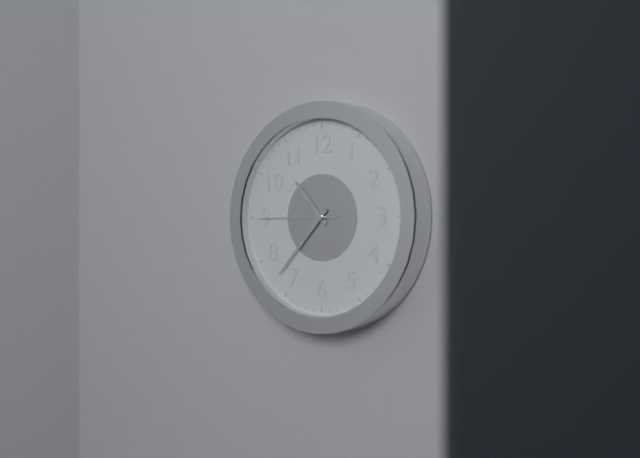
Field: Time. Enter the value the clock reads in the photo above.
10:37:45
